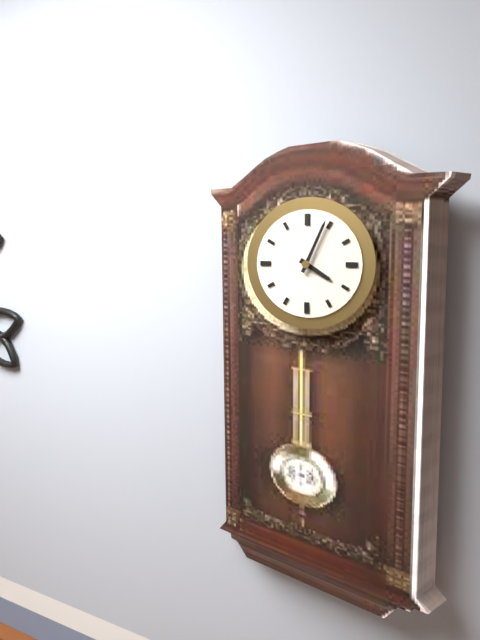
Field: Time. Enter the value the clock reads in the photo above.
4:04
